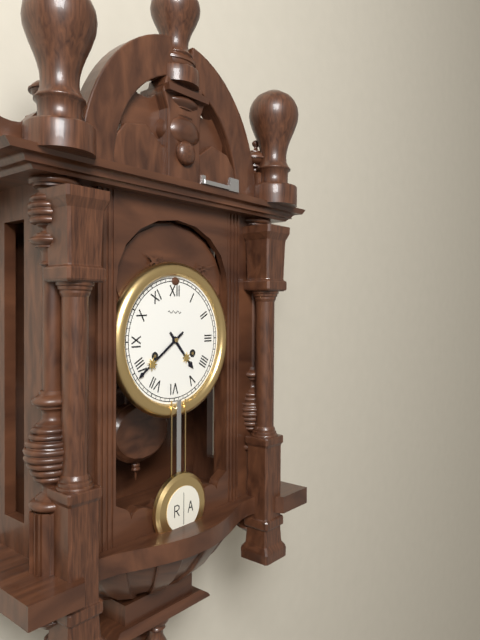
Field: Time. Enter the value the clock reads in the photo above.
4:39
